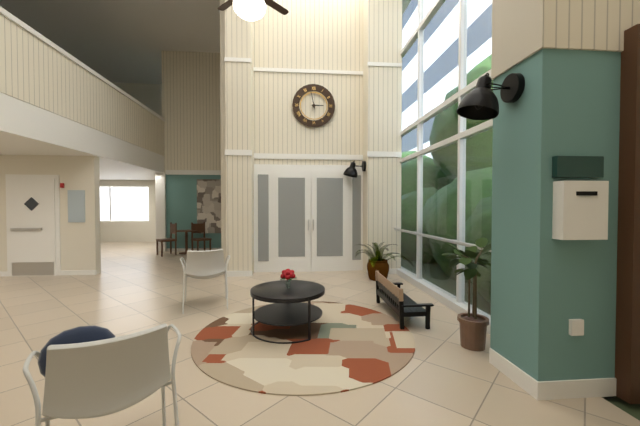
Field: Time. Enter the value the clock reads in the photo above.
2:58
